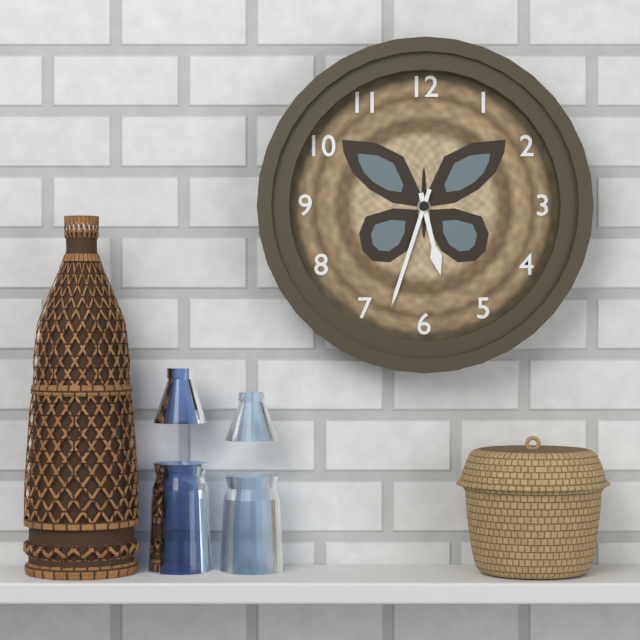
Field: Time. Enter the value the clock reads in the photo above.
5:33
